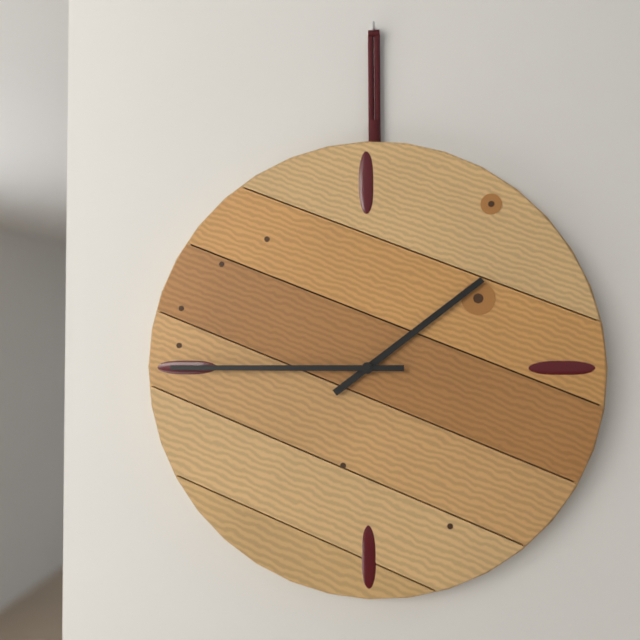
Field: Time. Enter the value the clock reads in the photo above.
1:45
